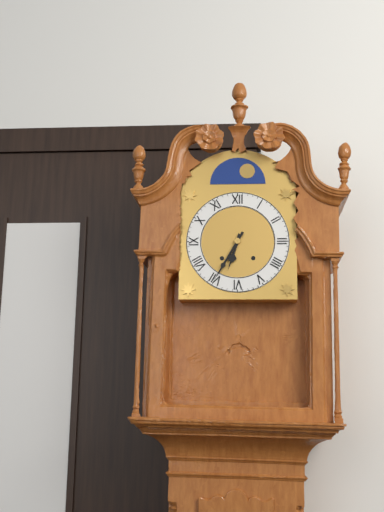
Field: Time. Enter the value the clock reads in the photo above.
6:35
